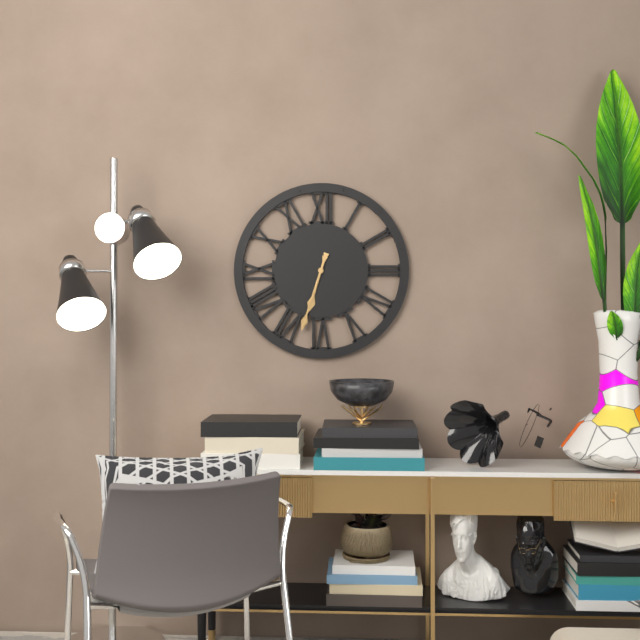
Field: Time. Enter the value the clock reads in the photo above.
6:33
